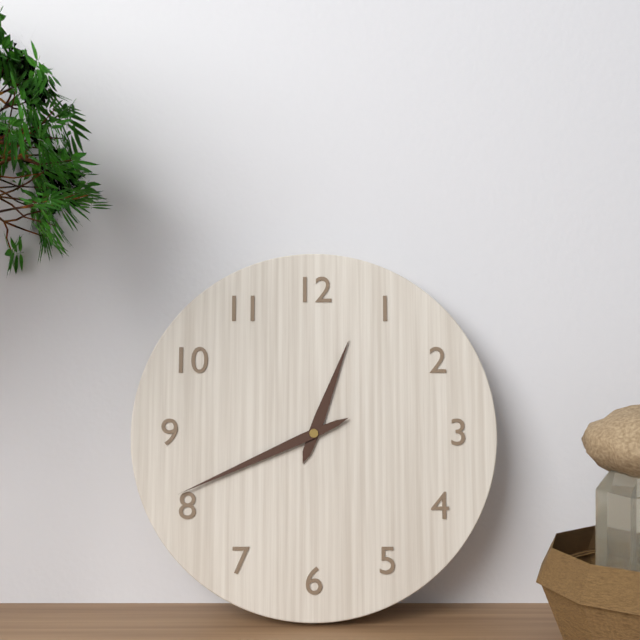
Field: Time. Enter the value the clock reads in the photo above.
12:41
